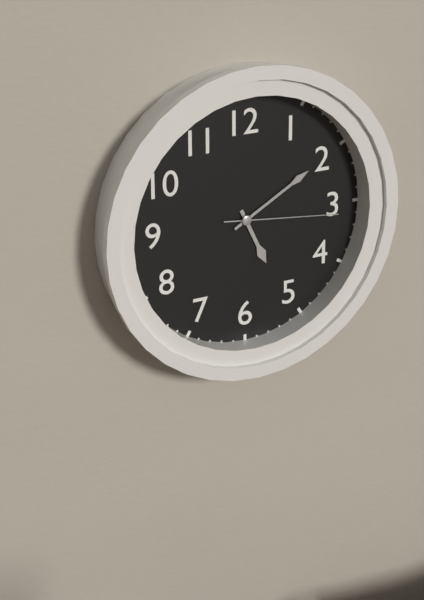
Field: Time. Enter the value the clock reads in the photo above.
5:10:16
